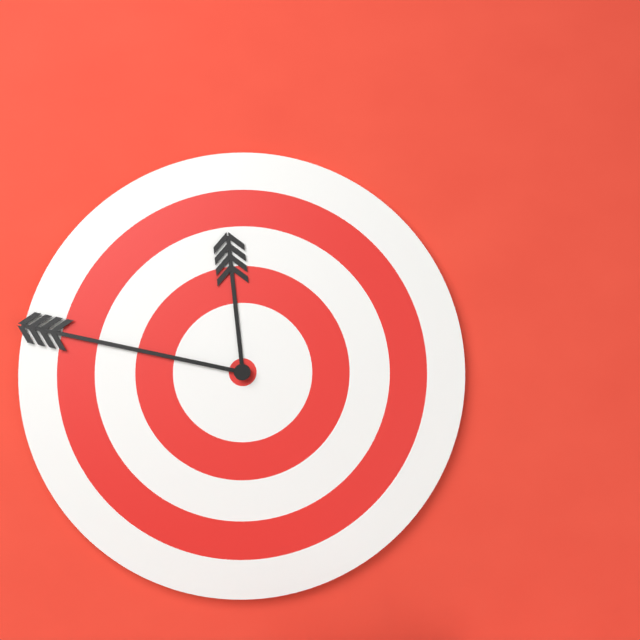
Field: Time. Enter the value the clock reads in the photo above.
11:47
